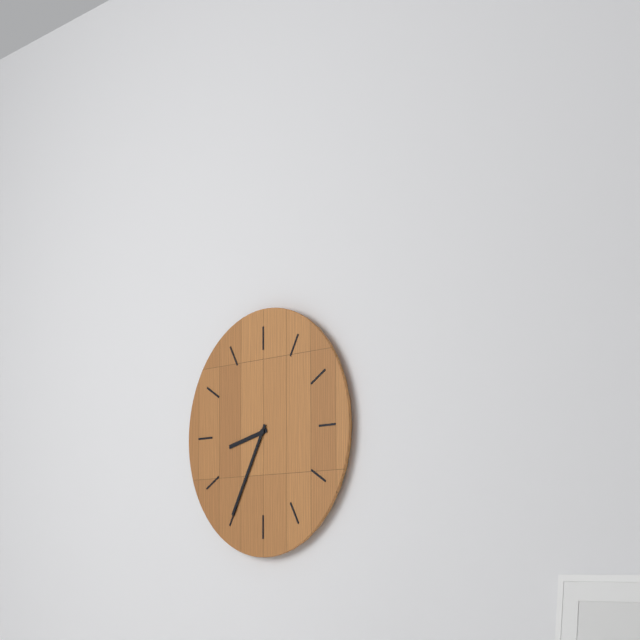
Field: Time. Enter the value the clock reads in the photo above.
8:35
